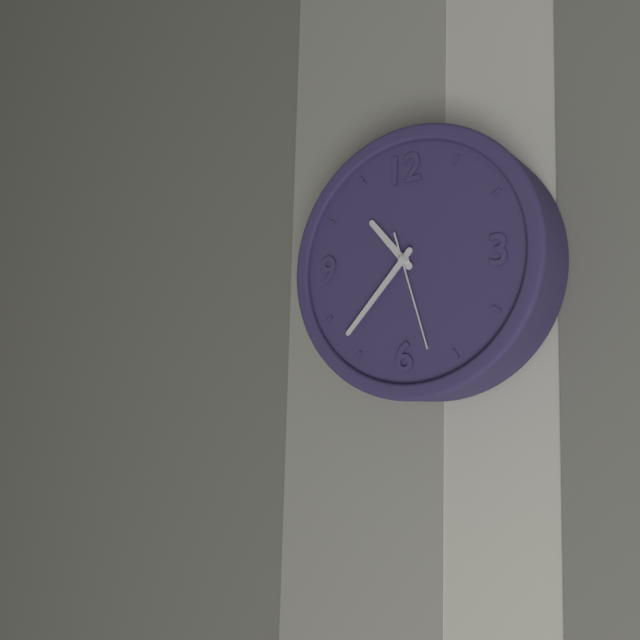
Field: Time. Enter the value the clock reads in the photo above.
10:37:27
